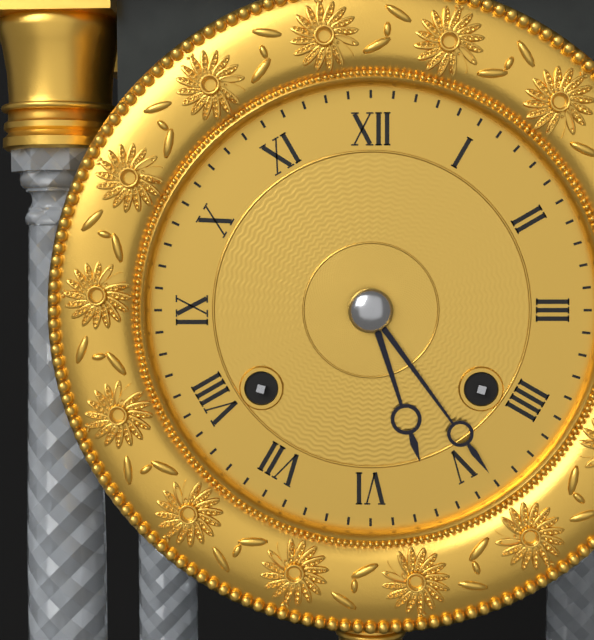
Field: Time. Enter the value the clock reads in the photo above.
5:24
